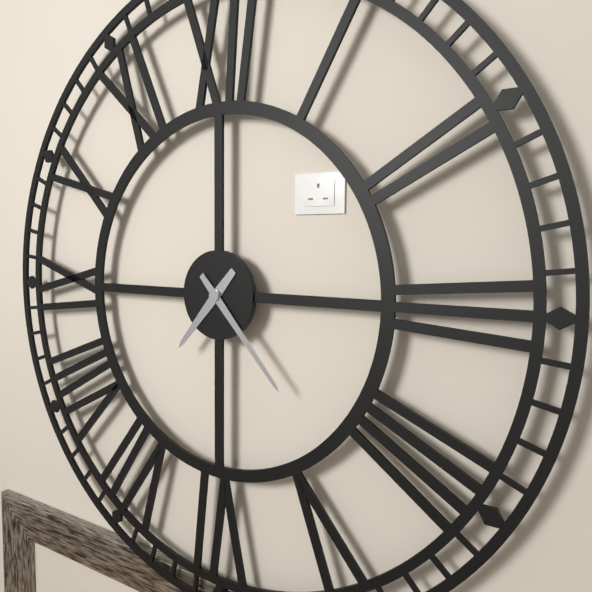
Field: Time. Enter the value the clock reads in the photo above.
7:23
